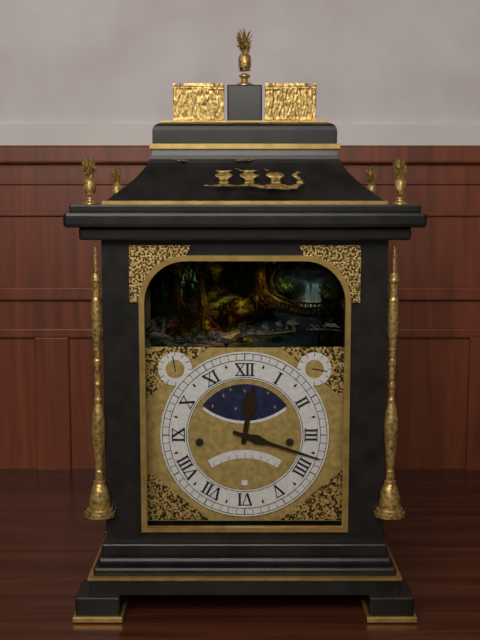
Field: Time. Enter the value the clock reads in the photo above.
12:18
